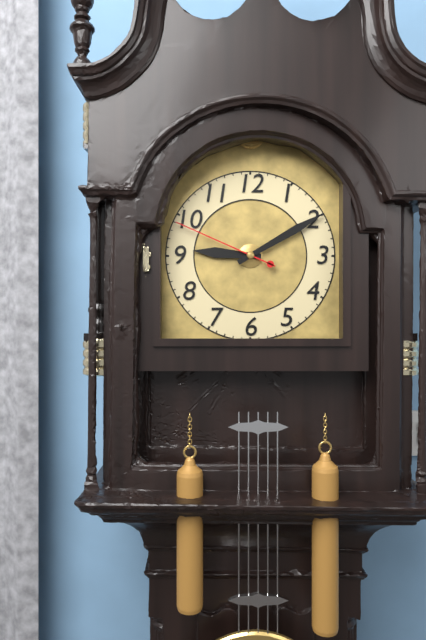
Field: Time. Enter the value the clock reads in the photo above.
9:10:49
